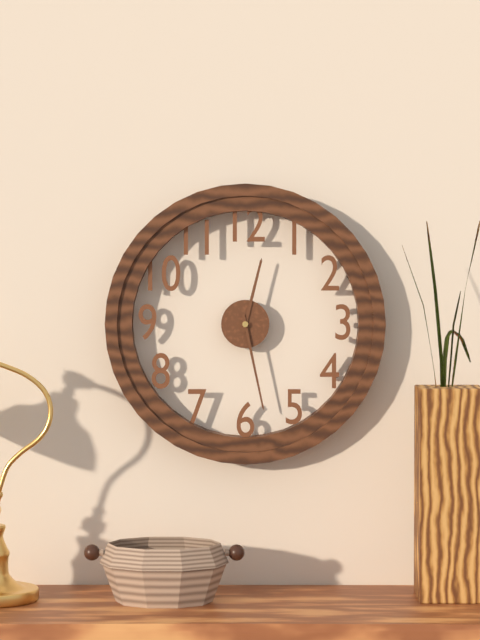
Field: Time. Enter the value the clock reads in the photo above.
12:28
